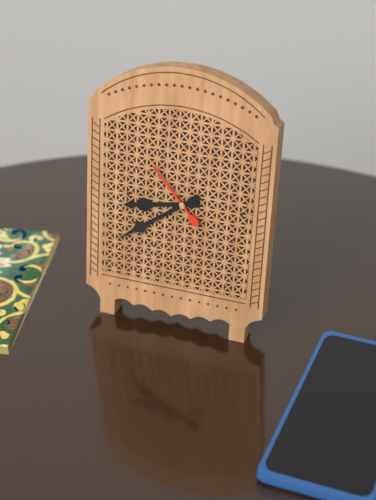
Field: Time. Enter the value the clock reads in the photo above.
8:39:53
